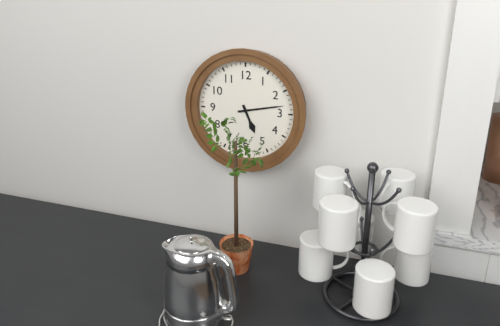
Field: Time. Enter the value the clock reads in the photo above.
5:13
